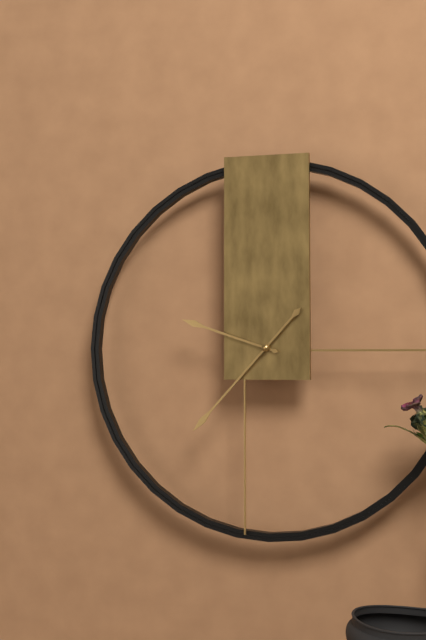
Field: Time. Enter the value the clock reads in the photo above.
9:37
